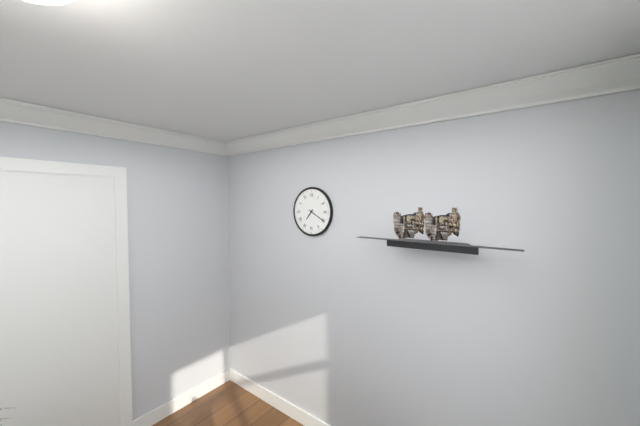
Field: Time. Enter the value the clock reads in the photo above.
7:20
